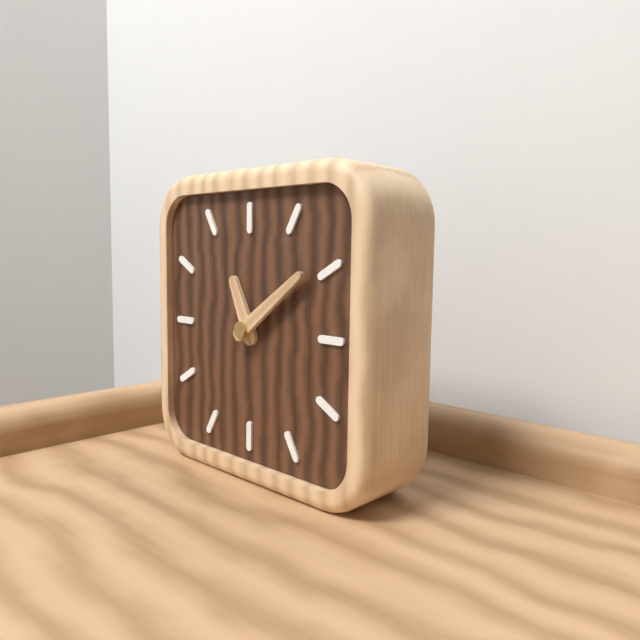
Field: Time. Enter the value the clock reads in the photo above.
11:09
